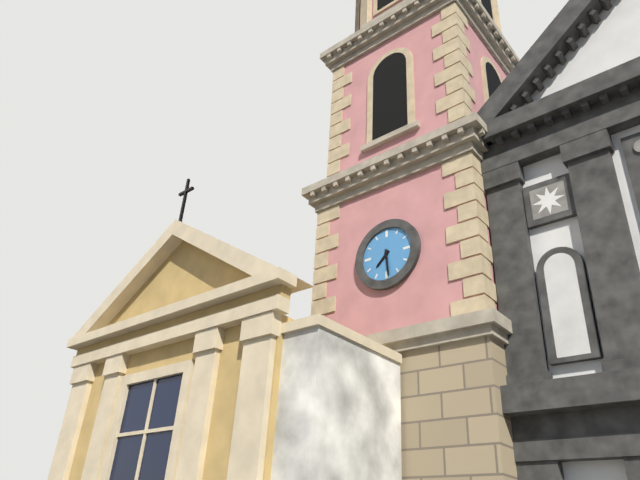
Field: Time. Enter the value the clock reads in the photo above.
7:29
